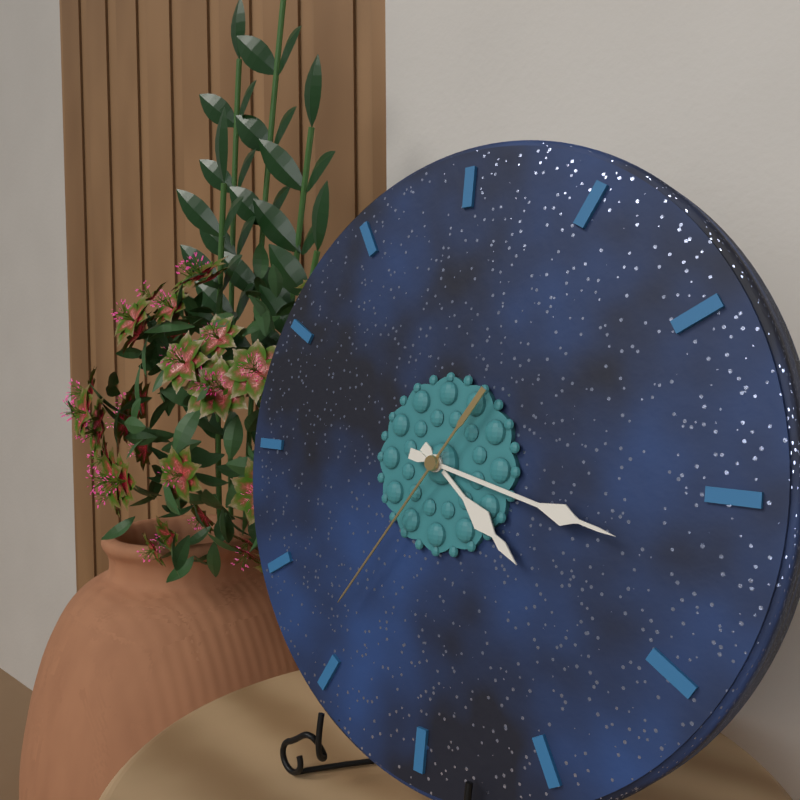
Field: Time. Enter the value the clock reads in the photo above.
4:17:36
